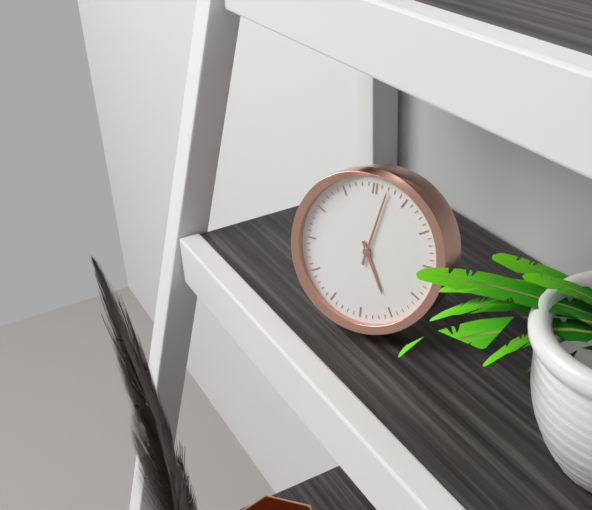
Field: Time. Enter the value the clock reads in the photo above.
5:02
